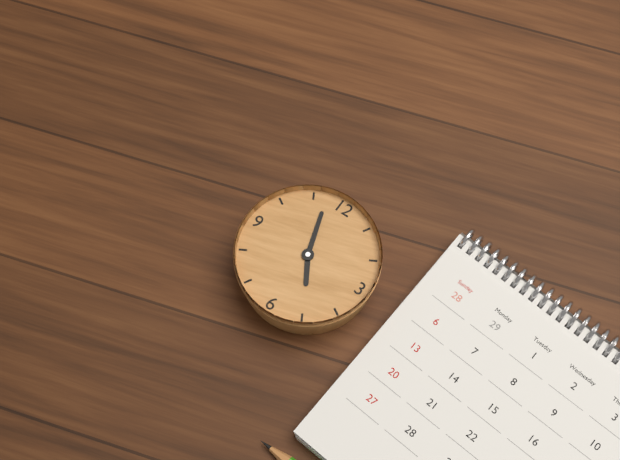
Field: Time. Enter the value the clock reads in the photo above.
4:57
